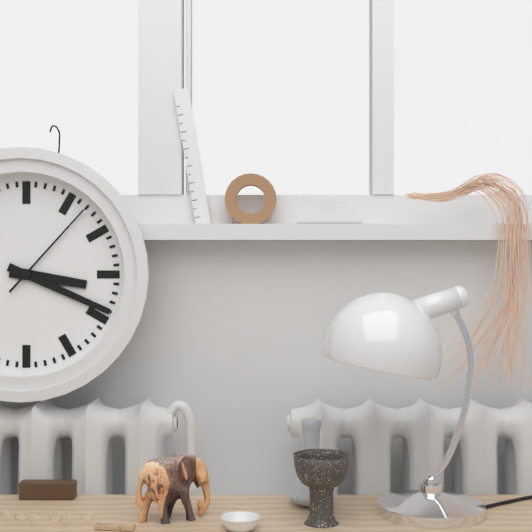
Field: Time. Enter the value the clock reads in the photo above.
3:19:07
